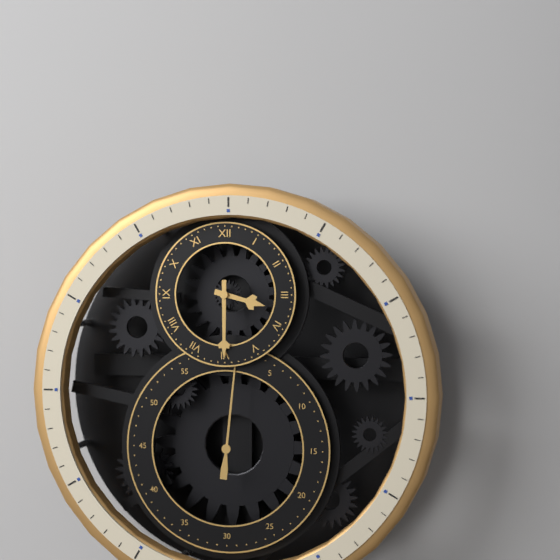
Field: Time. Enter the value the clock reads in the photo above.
3:30:01
